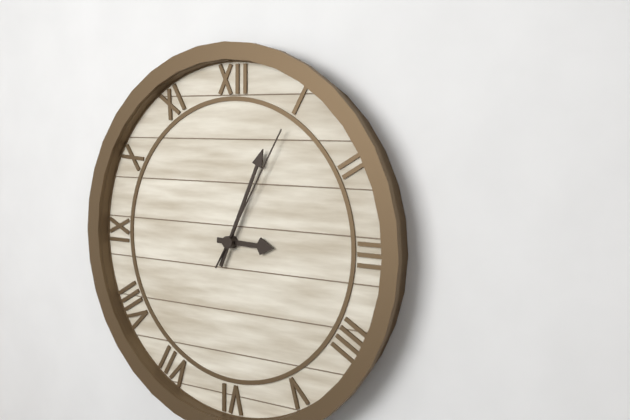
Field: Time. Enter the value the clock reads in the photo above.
3:04:05
